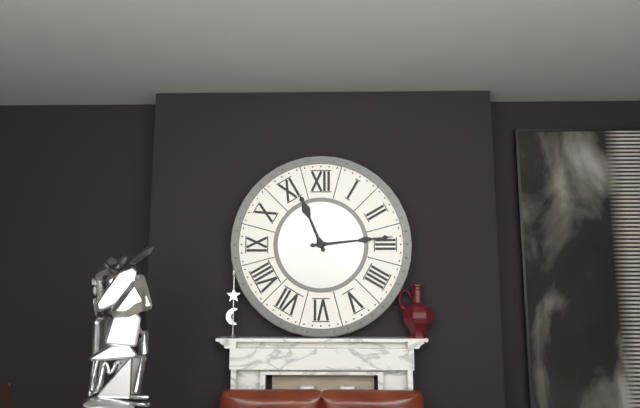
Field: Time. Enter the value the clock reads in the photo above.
11:14
